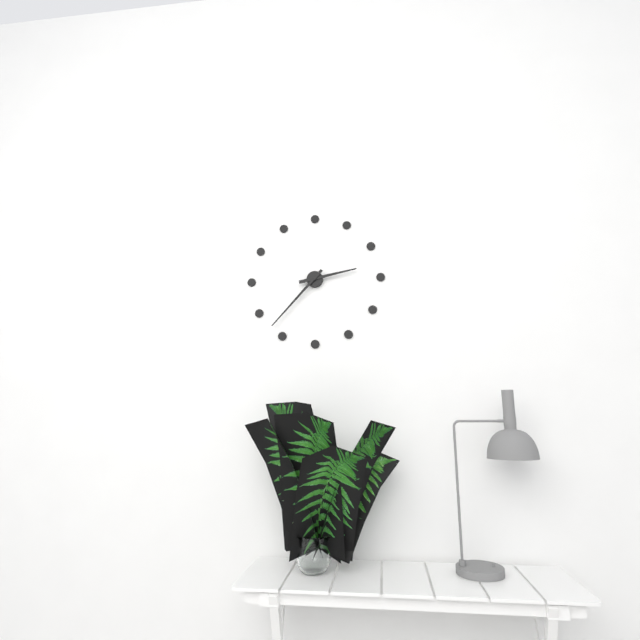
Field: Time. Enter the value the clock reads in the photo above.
2:37
